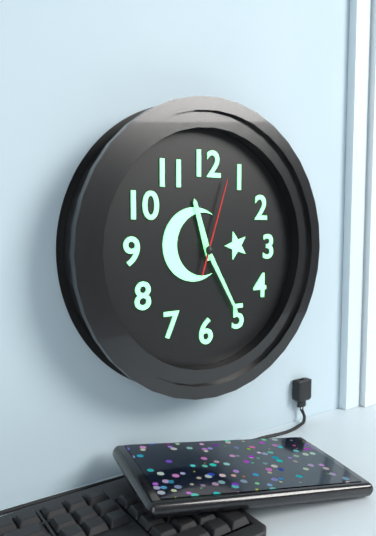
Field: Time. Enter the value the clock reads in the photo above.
11:25:03
